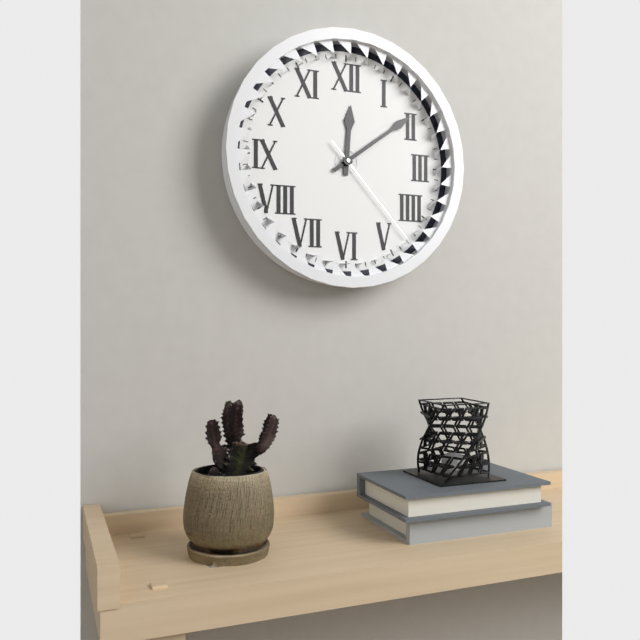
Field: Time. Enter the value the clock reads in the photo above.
12:09:23
